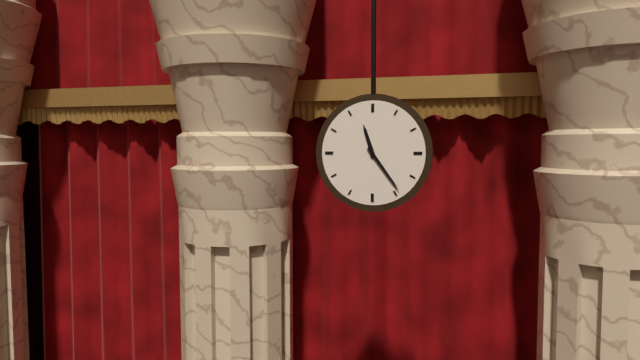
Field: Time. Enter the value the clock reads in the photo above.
11:24
